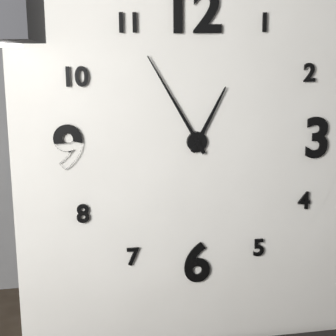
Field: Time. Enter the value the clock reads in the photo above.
12:55
